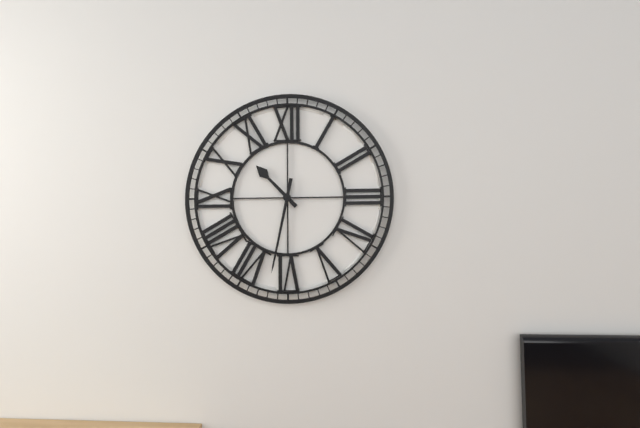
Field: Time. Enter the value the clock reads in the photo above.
10:32
